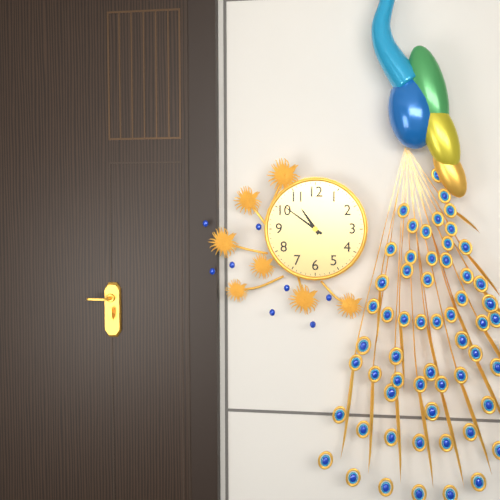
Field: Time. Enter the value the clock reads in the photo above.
10:51
